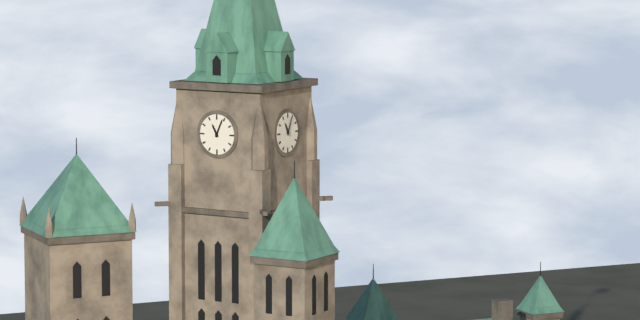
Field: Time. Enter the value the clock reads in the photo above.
11:04
